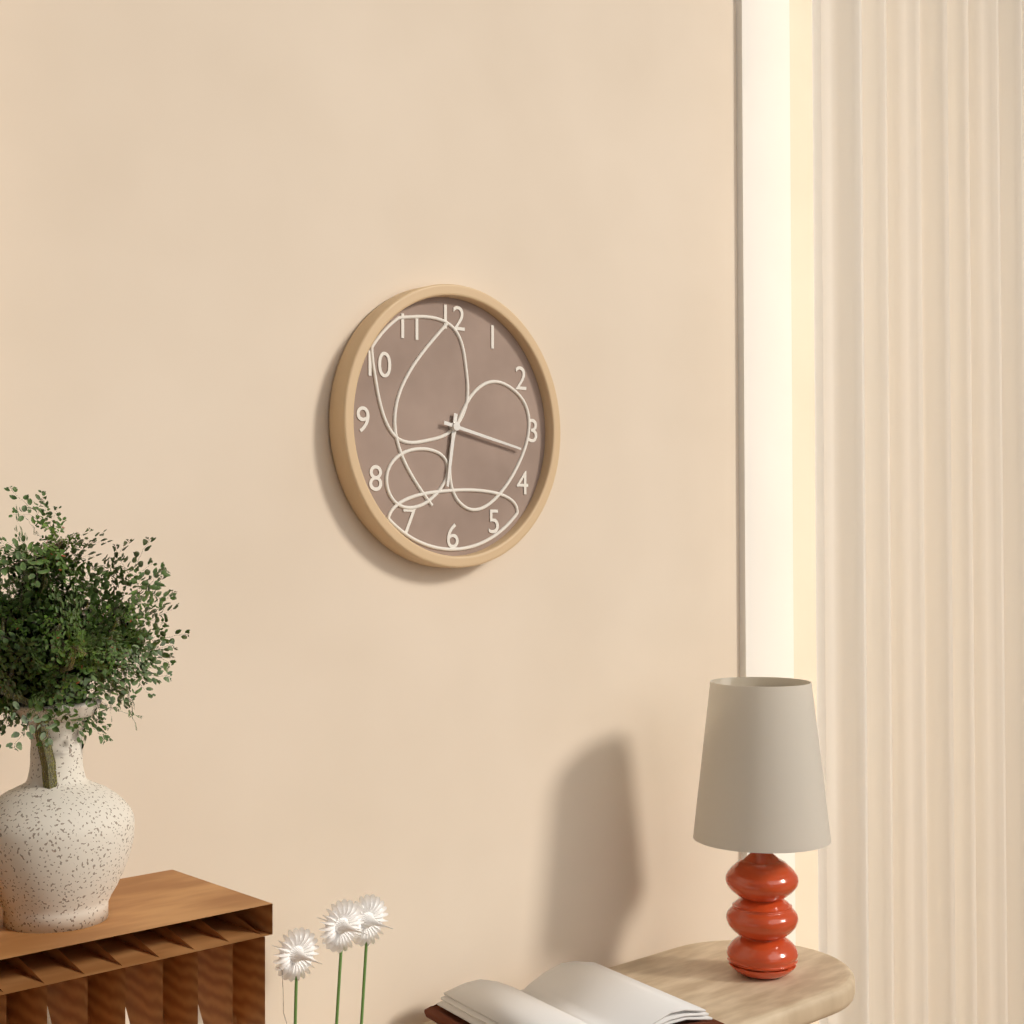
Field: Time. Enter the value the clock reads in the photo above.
6:17
